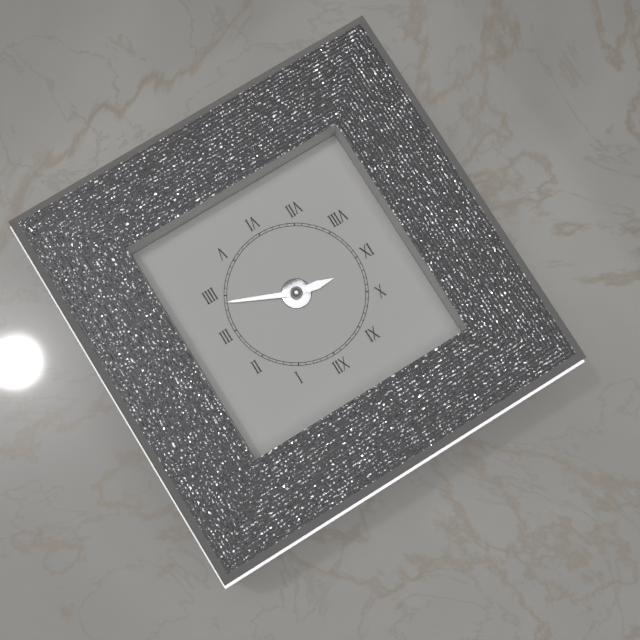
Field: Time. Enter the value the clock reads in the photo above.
9:19
